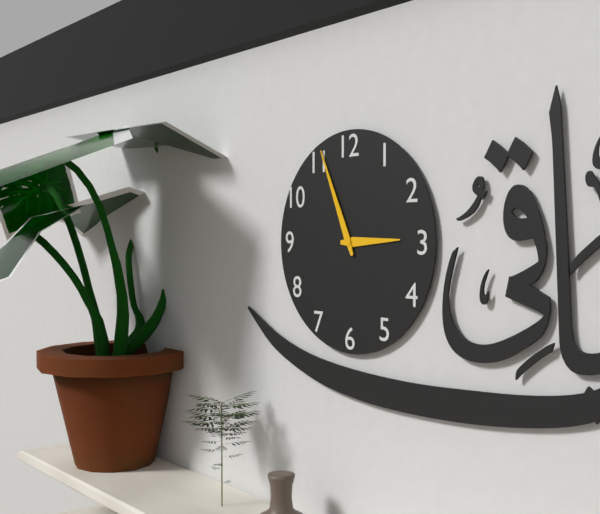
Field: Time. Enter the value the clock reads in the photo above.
2:56
